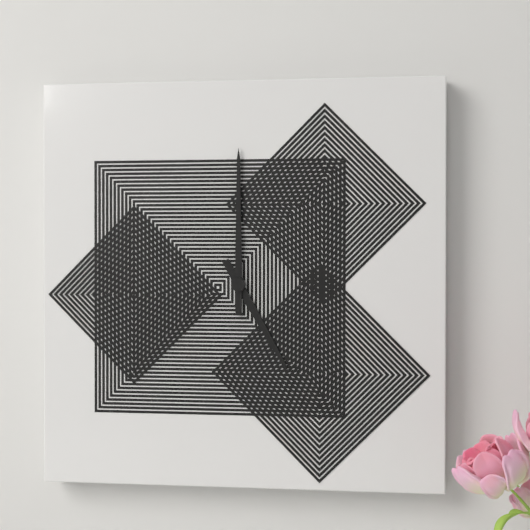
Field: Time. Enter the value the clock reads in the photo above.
5:00
